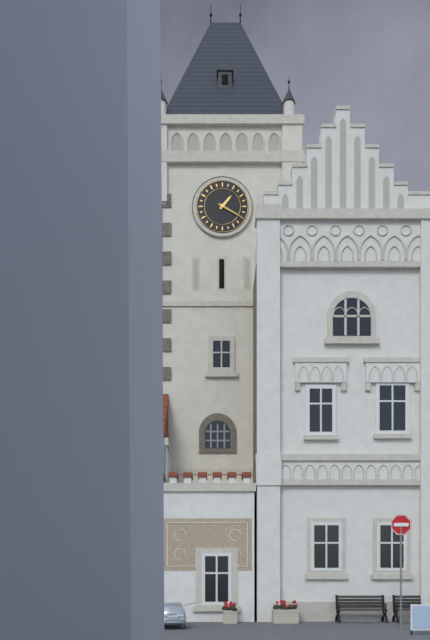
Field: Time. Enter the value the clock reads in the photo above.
1:20
